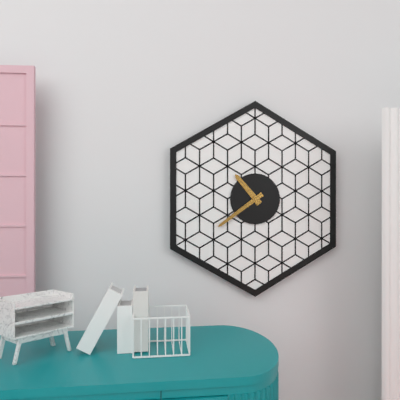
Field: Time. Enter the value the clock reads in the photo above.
10:39
